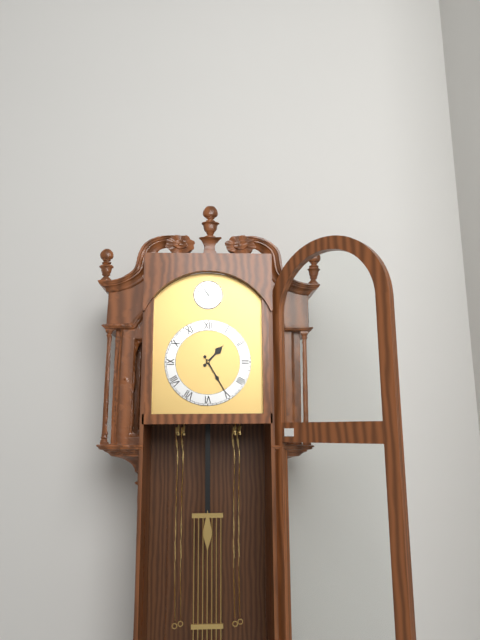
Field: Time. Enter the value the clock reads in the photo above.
1:25
